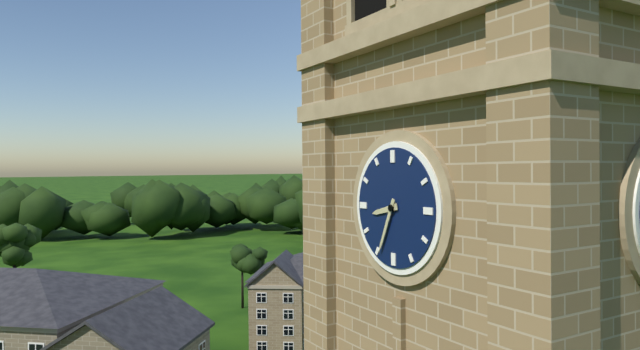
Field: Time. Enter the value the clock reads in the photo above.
8:34
